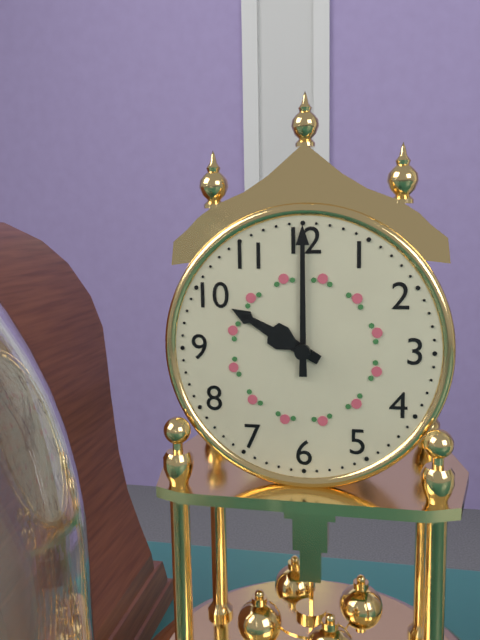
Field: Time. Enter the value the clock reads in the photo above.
10:00
